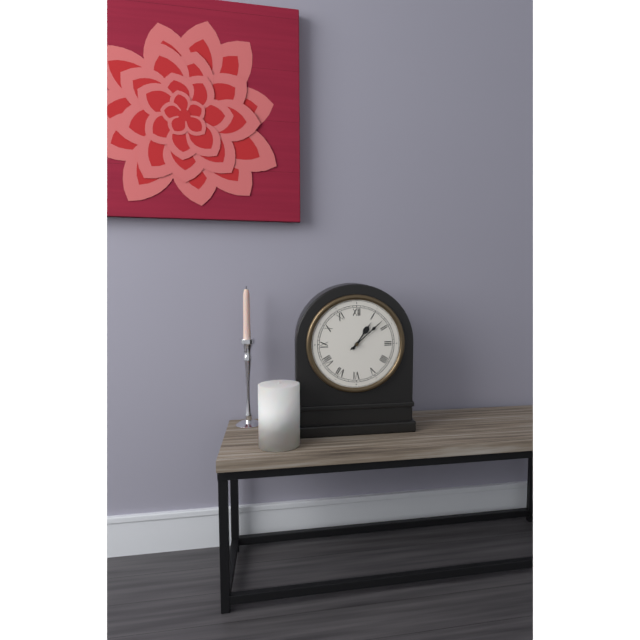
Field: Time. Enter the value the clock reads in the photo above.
1:08
